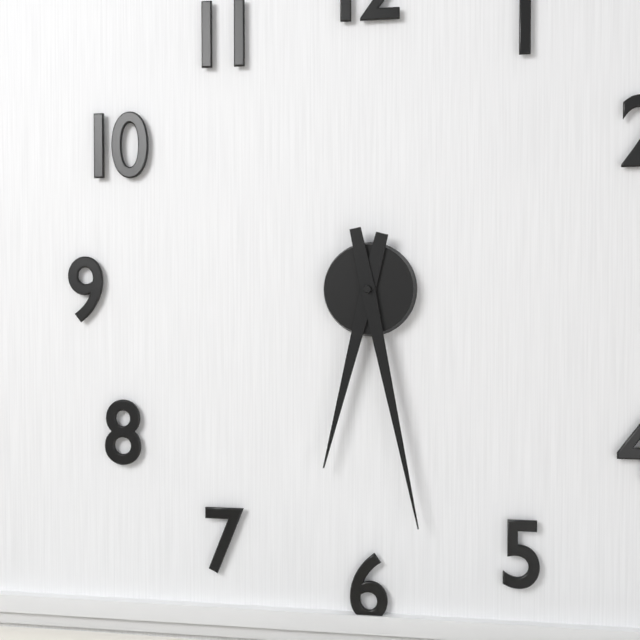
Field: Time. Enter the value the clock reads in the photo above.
6:28
